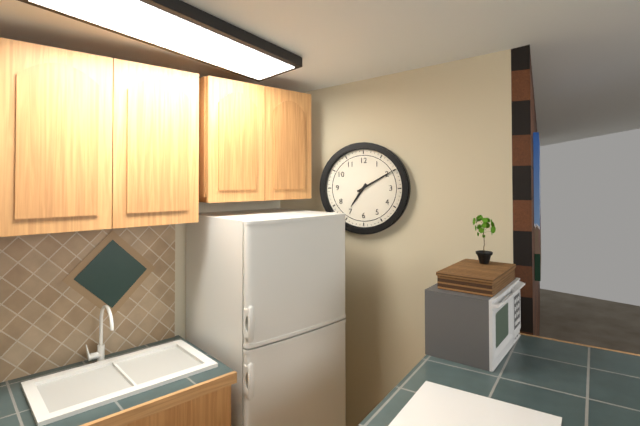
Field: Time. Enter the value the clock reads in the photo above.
7:10
